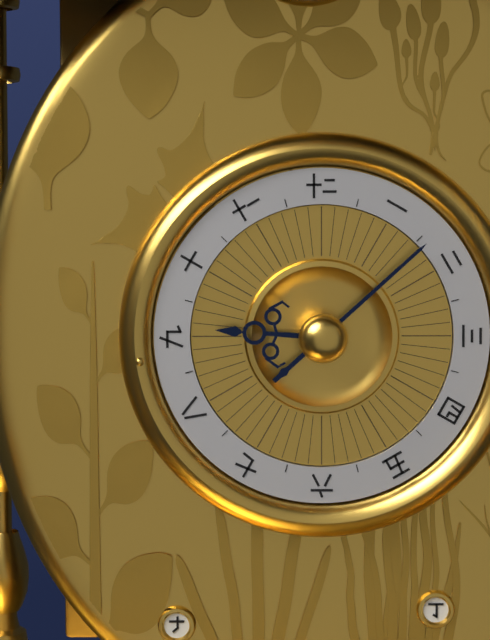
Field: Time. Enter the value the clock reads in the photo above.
9:08
